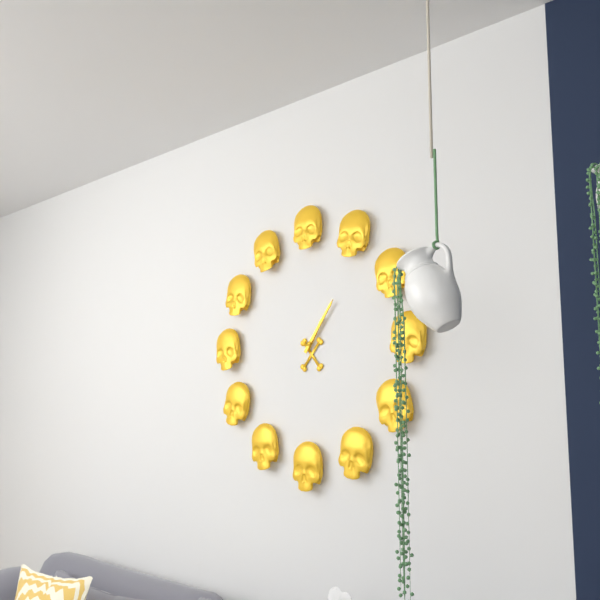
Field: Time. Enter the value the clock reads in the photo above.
1:06
